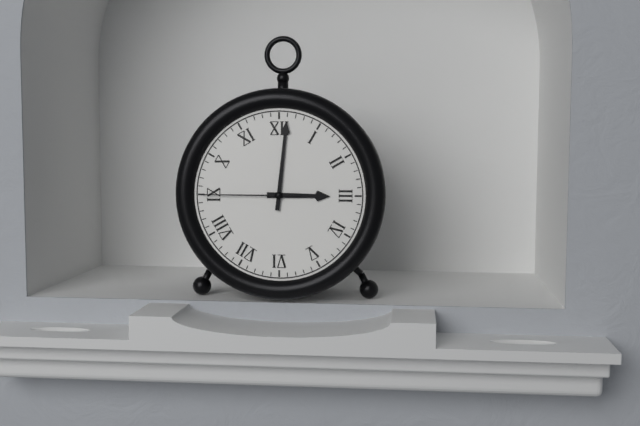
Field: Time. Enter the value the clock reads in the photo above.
3:01:45
